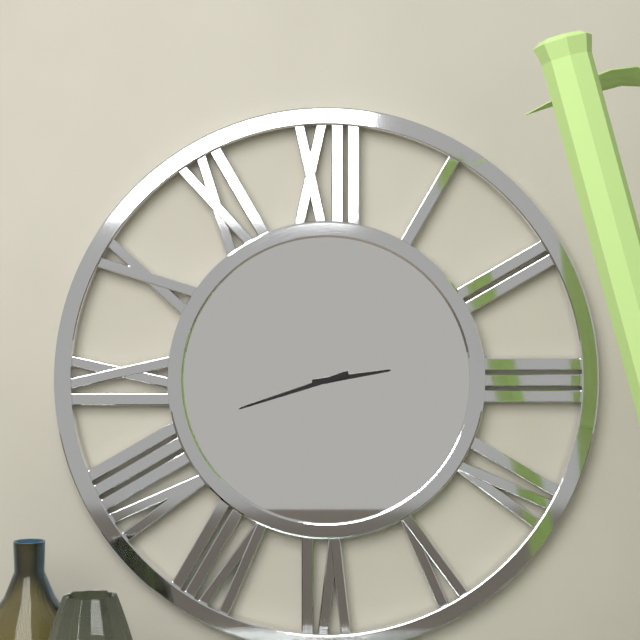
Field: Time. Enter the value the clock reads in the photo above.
2:42
